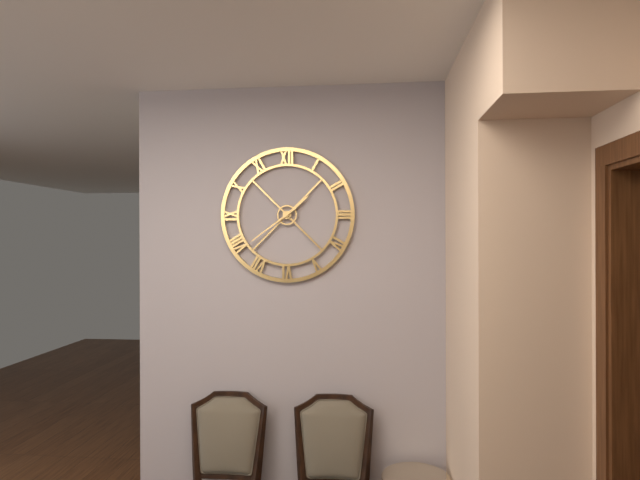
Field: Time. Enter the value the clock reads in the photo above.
1:39
